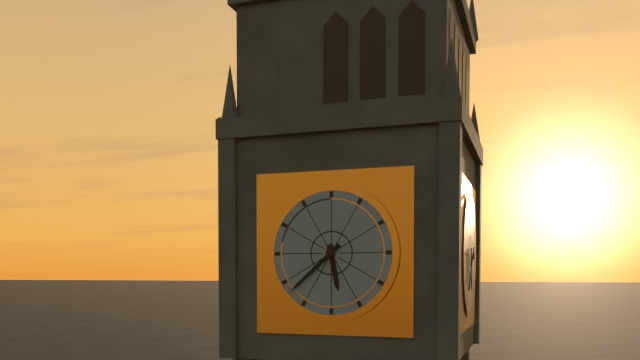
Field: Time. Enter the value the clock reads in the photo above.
5:38
